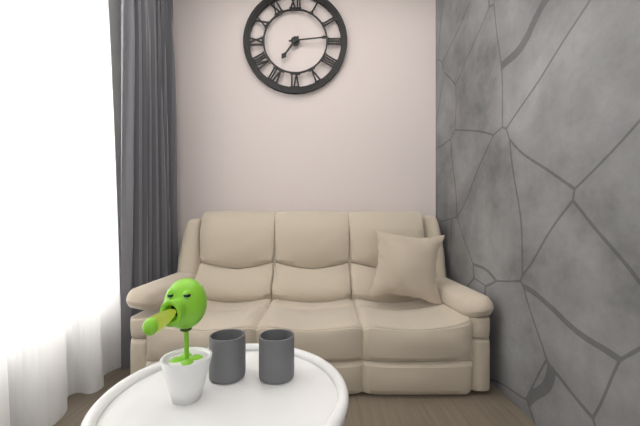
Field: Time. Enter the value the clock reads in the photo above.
7:14
